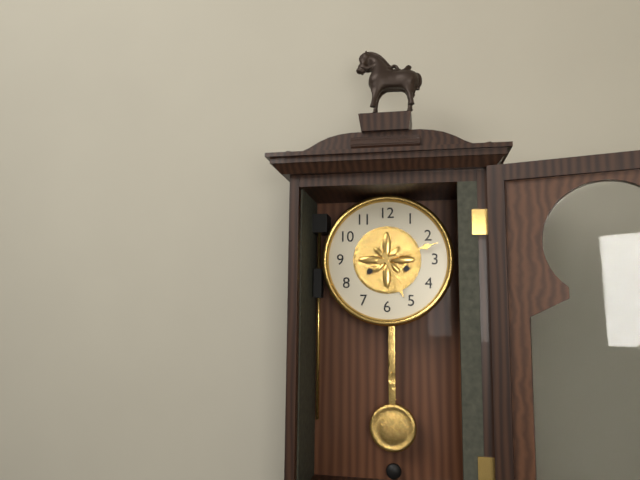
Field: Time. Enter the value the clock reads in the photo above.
5:12
